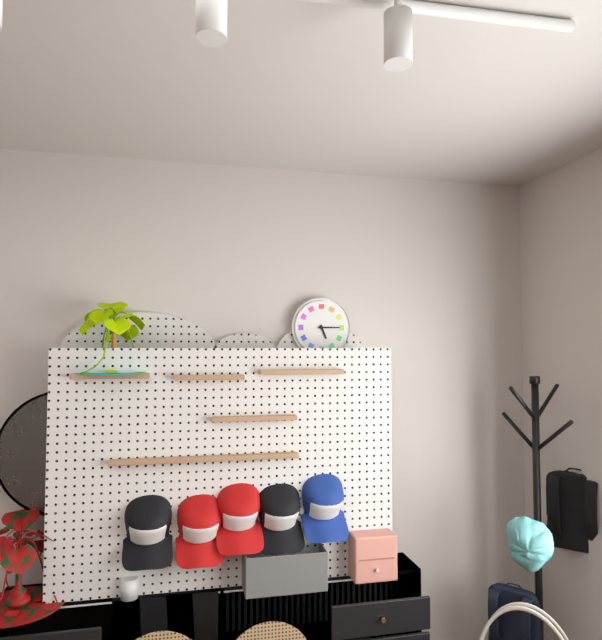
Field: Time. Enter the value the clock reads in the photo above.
5:15
